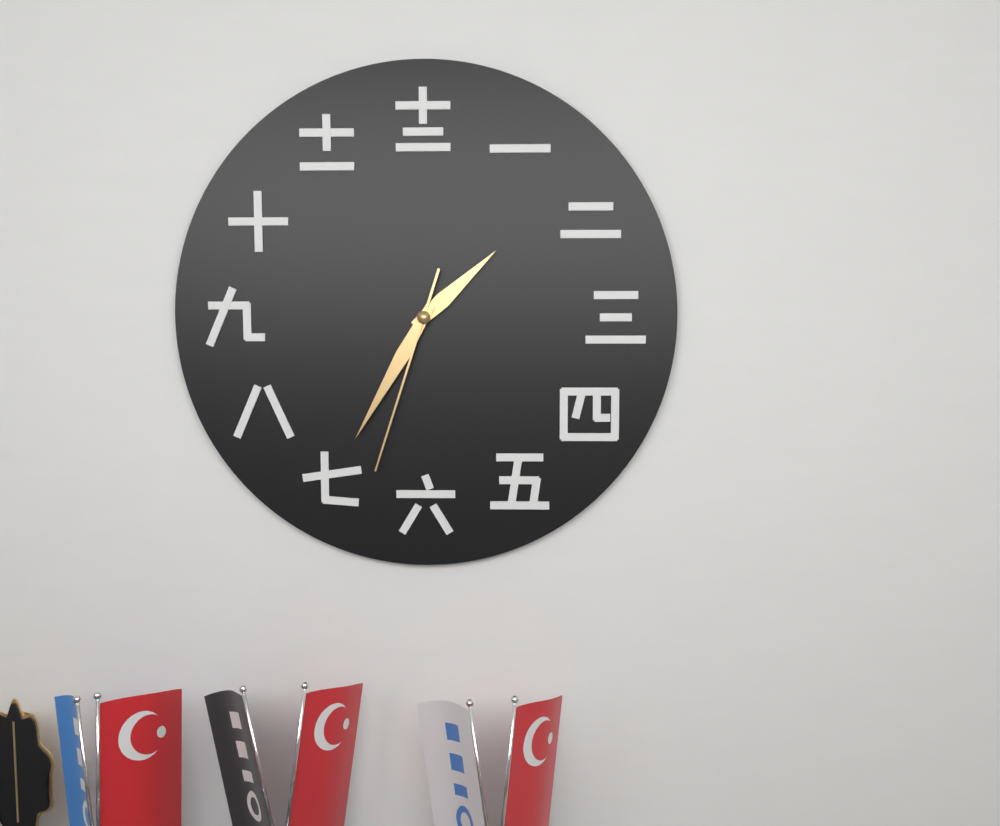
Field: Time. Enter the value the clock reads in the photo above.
1:35:33
